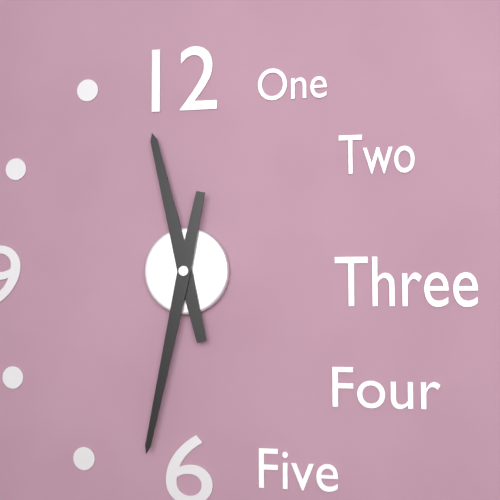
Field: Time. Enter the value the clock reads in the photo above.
11:32
